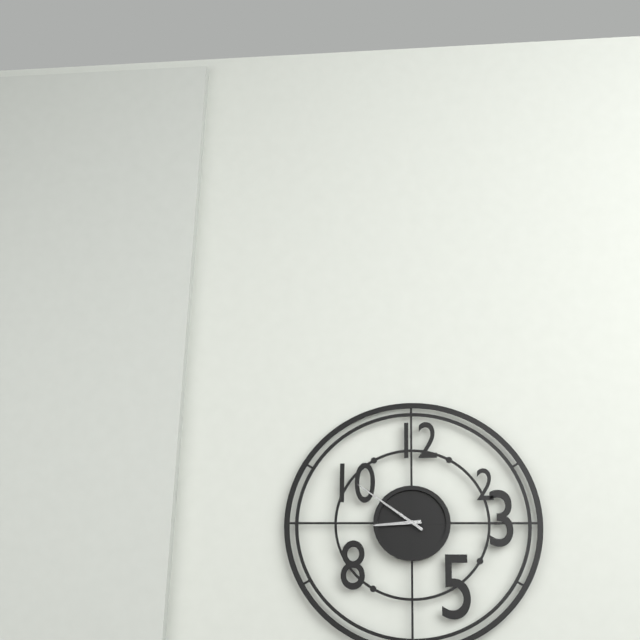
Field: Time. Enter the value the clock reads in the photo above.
8:51
